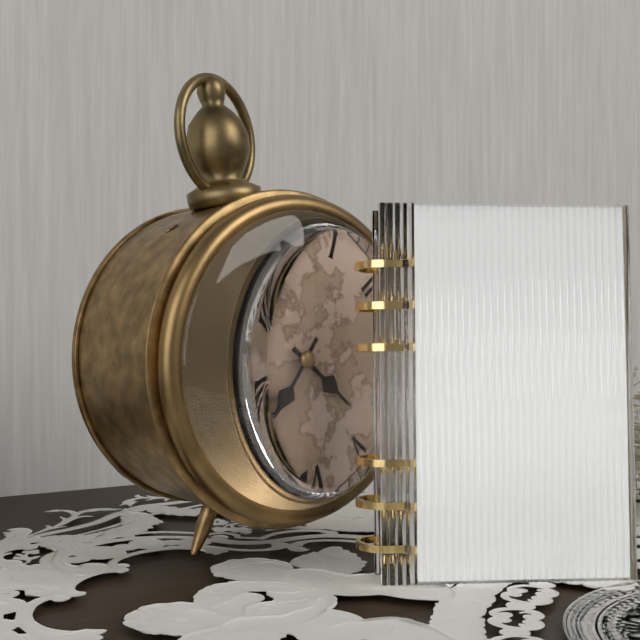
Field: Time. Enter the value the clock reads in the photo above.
4:37
